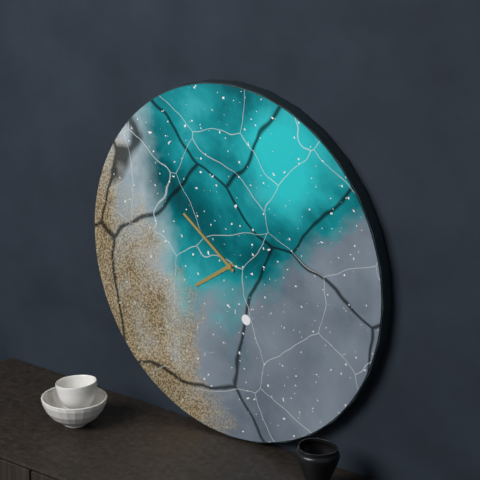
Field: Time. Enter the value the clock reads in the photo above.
7:51
